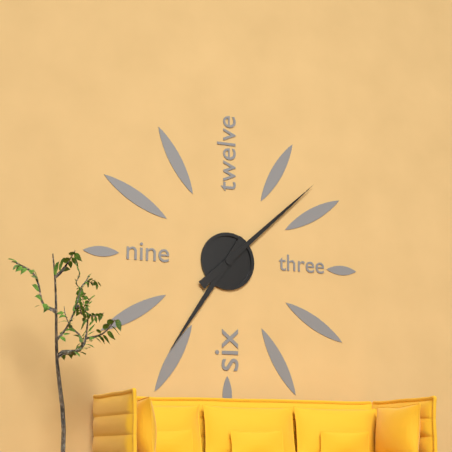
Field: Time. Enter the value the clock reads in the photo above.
7:08
